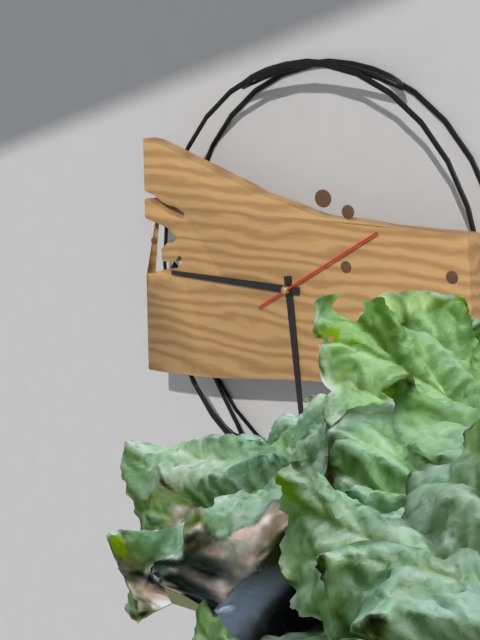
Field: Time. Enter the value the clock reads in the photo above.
5:45:10
